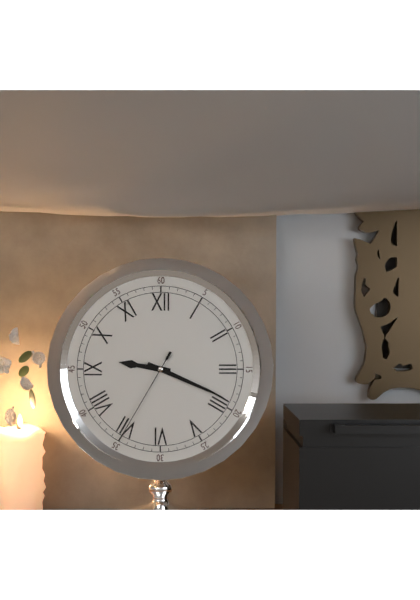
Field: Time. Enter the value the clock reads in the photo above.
9:19:35
